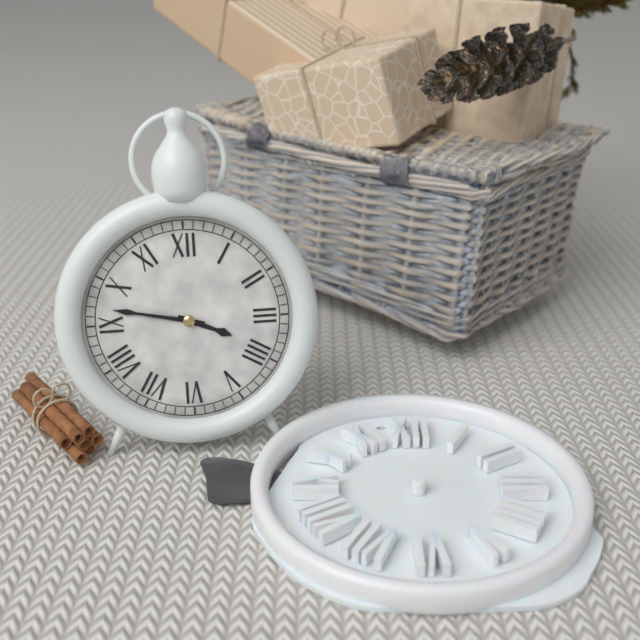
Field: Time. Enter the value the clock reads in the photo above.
3:47
